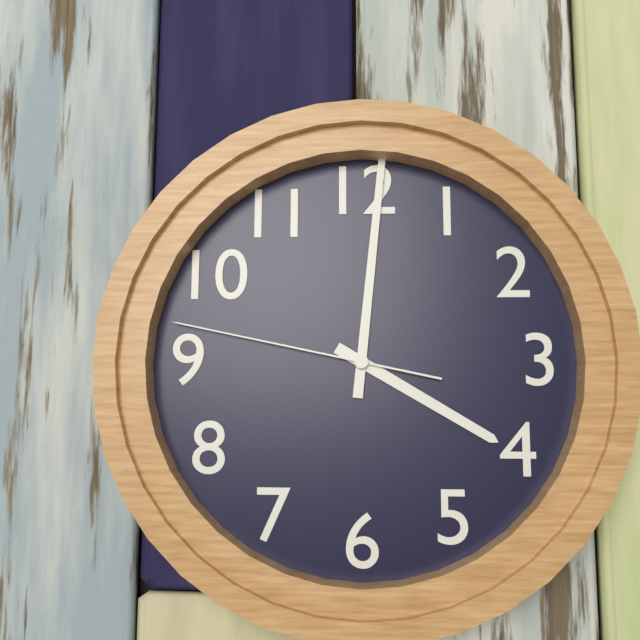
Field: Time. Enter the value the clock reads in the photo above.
4:01:47
